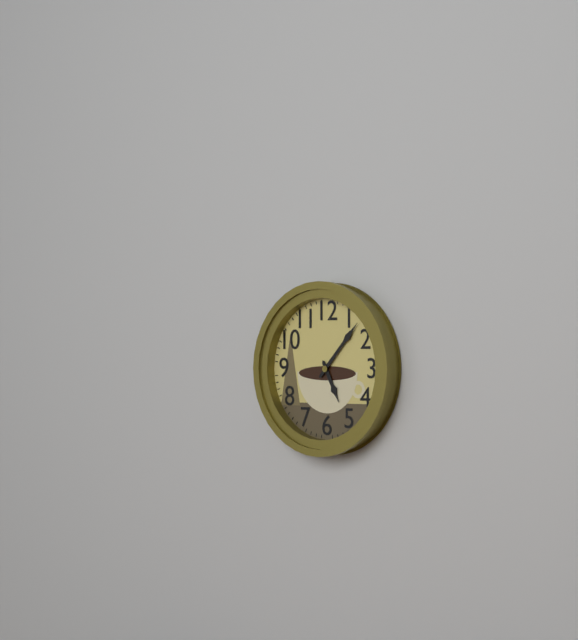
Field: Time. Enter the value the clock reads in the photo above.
5:07
